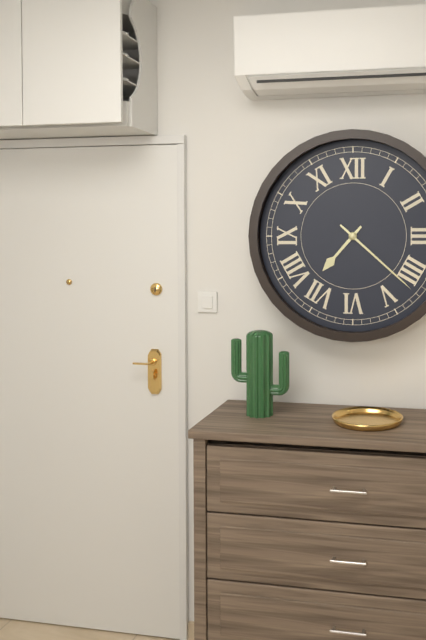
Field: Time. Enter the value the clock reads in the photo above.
7:22
